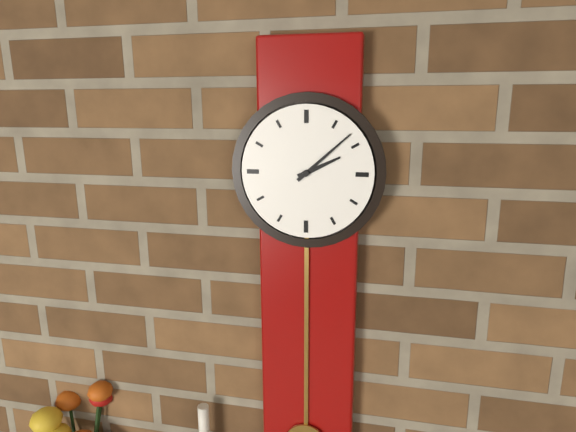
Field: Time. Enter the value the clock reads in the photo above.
2:08
